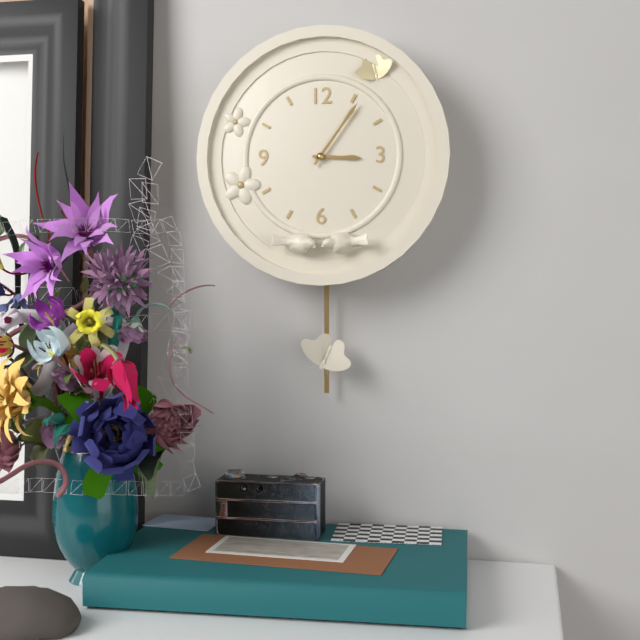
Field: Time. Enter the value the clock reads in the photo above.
3:06
